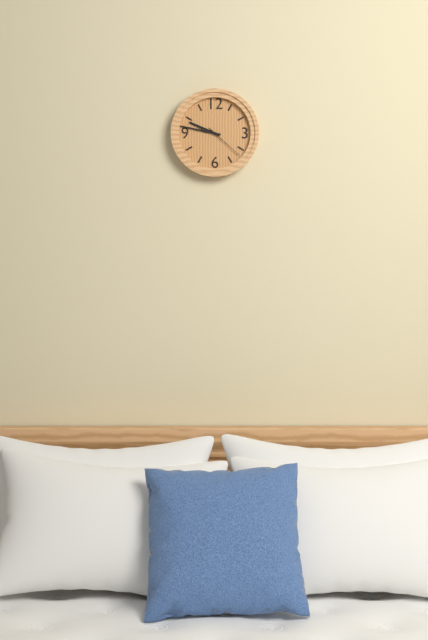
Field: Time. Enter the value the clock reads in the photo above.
9:47
